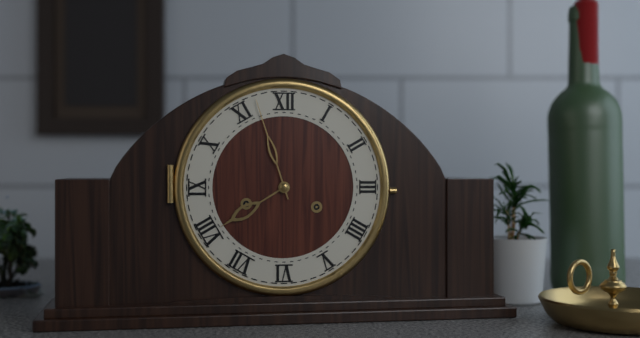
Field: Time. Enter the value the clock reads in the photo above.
7:57
